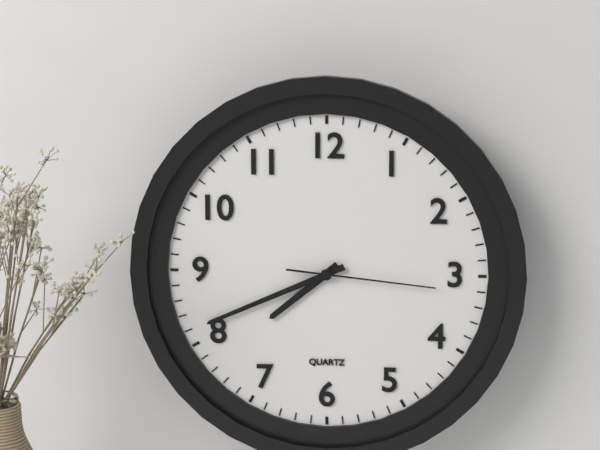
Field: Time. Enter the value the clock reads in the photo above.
7:41:16
